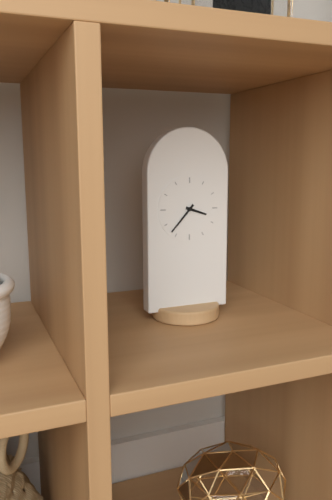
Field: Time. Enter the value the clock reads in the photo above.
3:37
